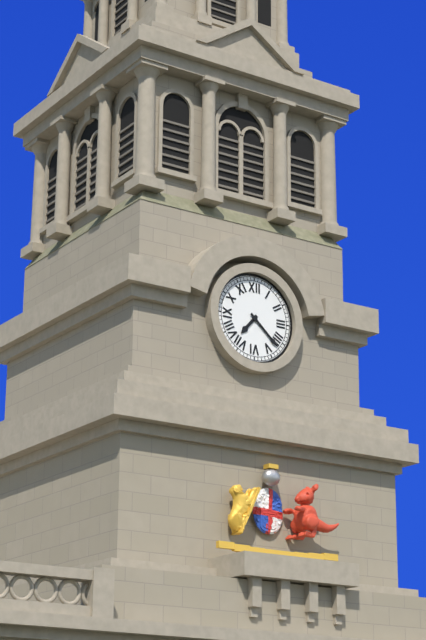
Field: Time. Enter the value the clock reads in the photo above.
7:22
